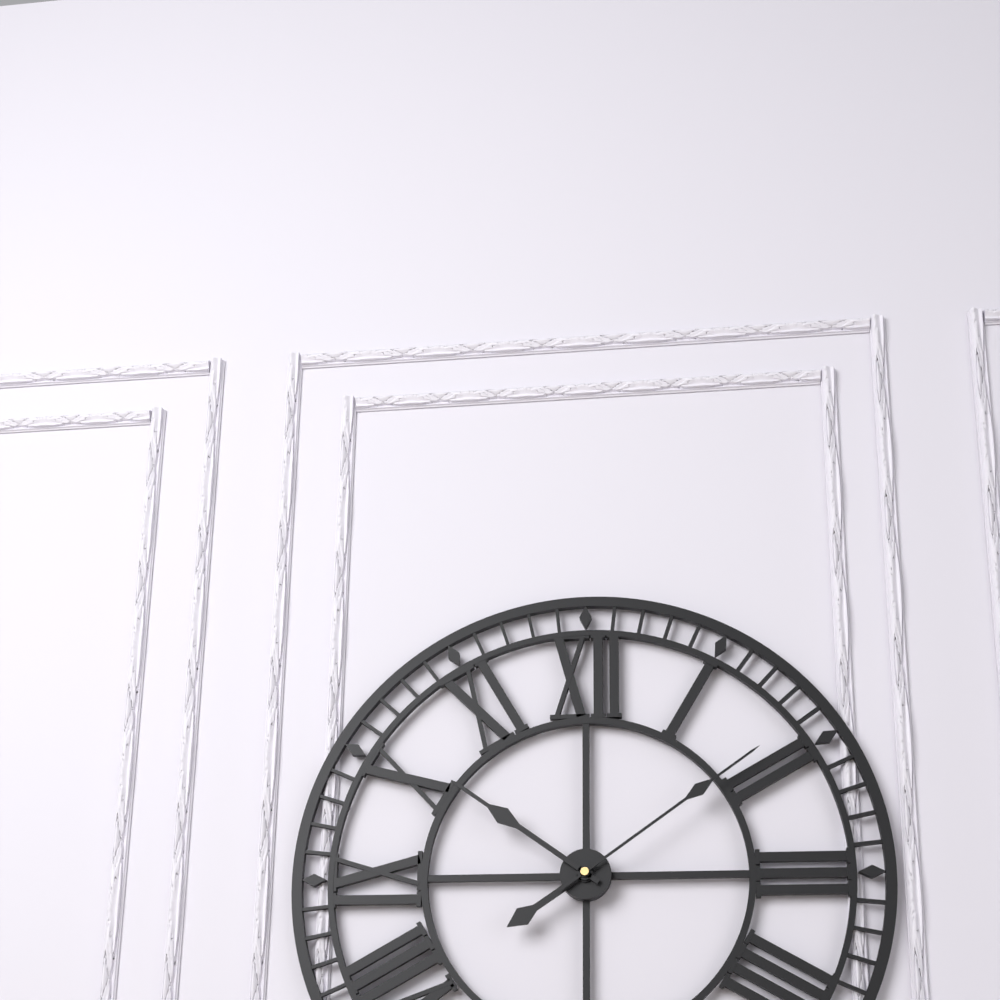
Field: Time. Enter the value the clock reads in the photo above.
7:51:09
